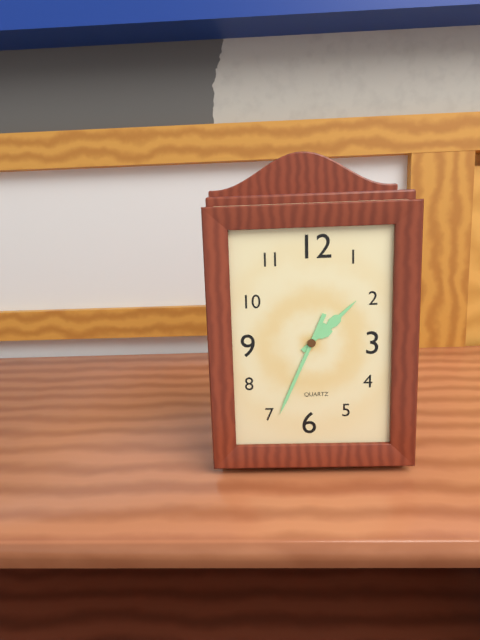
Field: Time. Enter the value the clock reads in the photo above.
1:34
